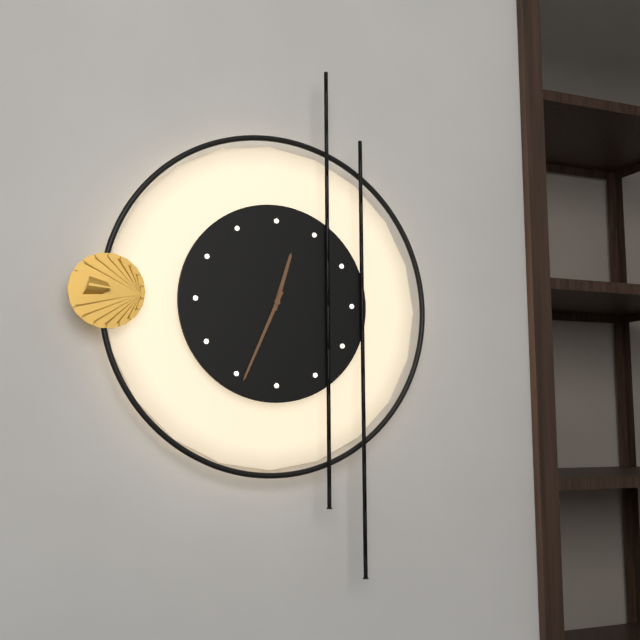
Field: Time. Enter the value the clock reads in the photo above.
12:34
